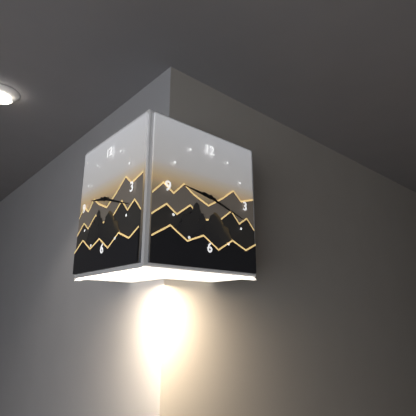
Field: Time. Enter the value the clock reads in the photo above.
9:18
